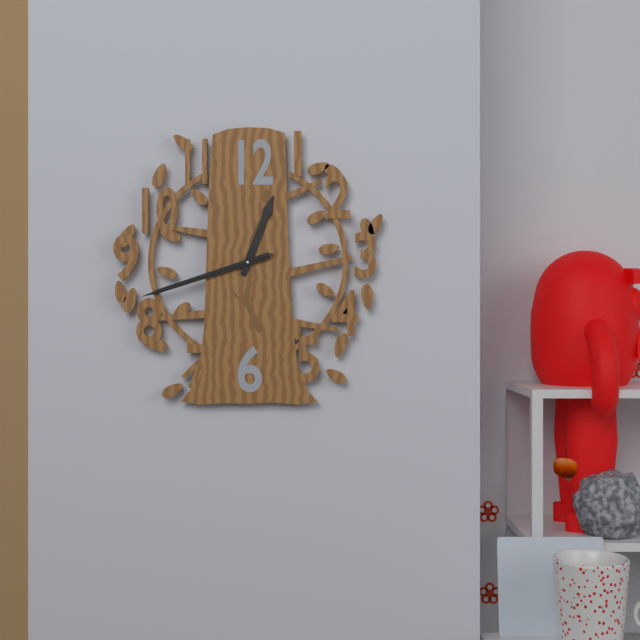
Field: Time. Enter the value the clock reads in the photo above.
12:42:42
